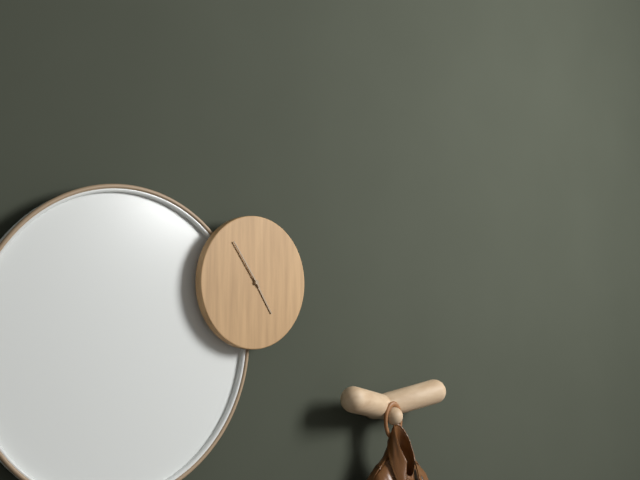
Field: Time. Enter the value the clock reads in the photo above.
4:54
